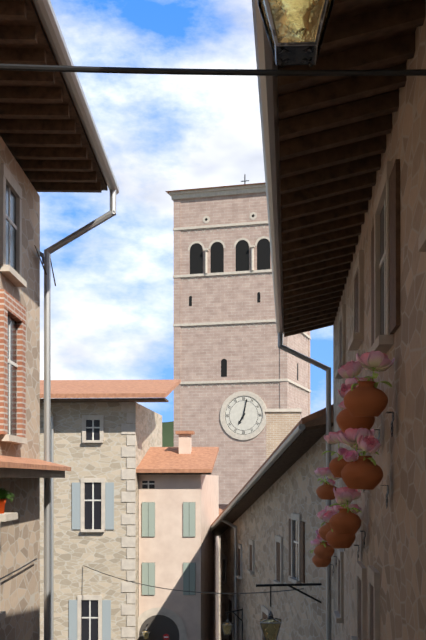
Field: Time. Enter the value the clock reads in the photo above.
7:02
